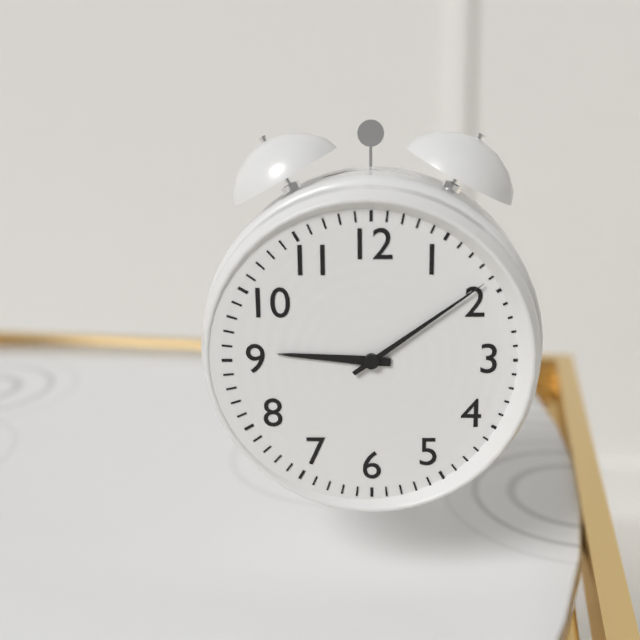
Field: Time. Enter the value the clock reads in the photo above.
9:09
